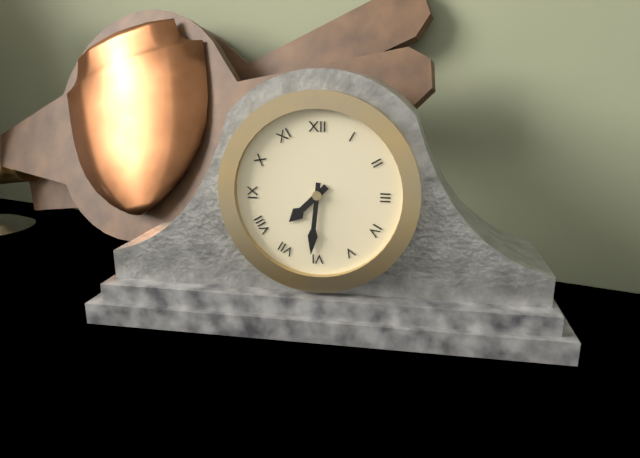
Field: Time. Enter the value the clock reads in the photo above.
7:31
